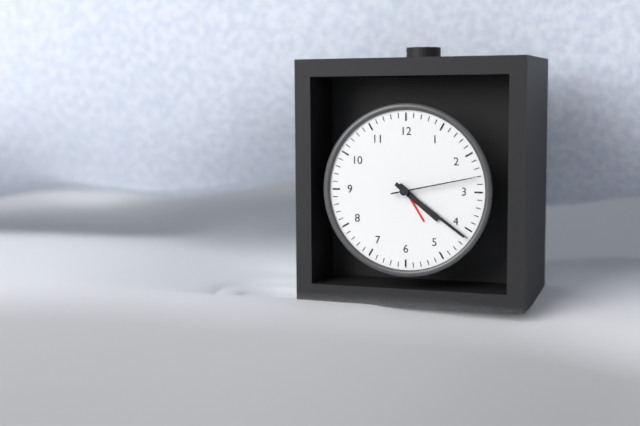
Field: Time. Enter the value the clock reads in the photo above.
4:21:13
